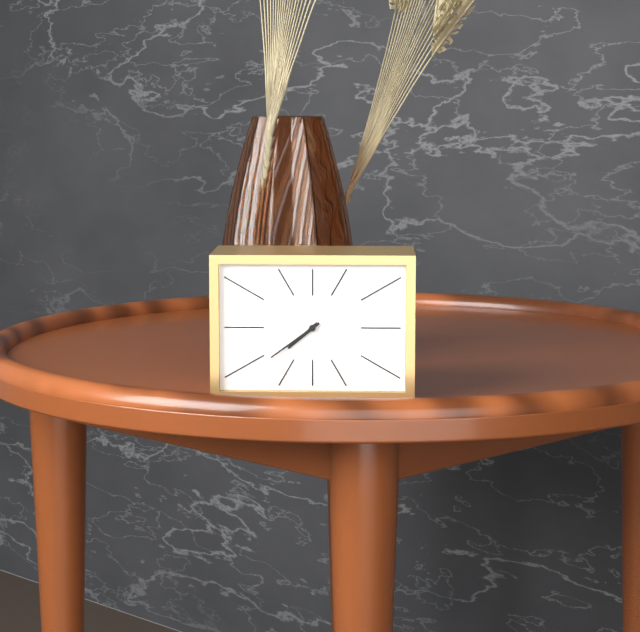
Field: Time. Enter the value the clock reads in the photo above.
7:39
